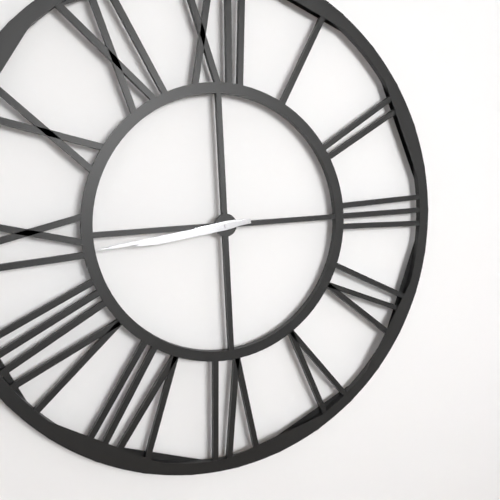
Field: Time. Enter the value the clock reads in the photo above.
8:44
